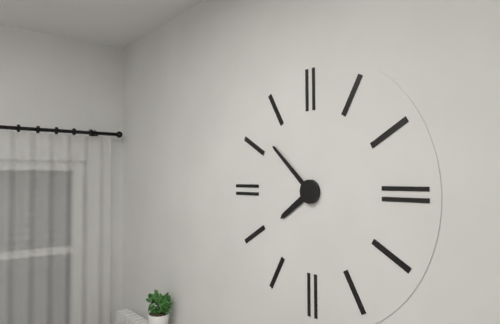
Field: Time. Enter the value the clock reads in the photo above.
7:52
